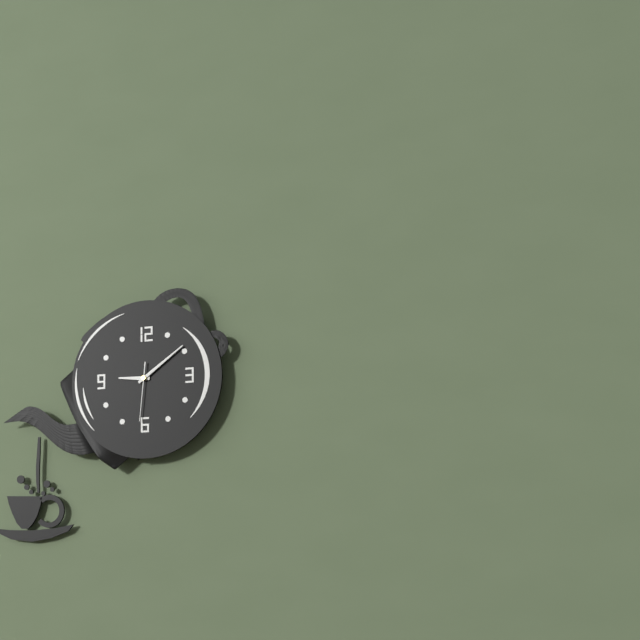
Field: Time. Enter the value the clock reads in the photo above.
9:09:31
